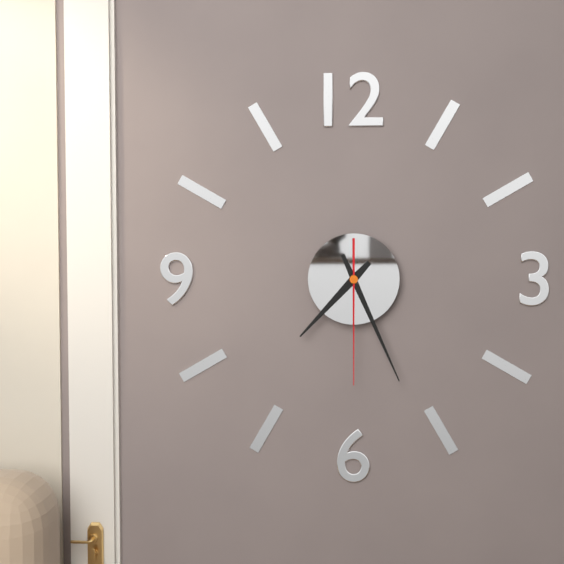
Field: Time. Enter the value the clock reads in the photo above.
7:26:30
